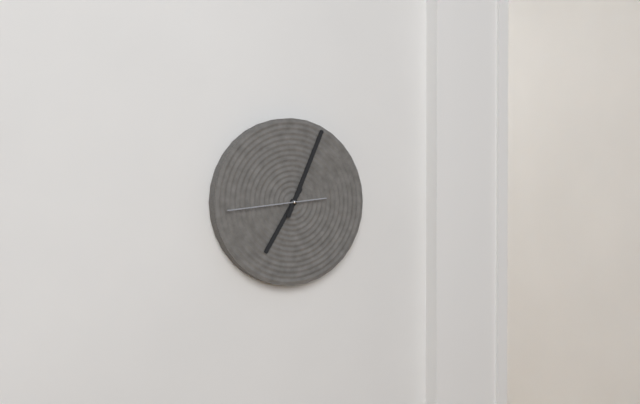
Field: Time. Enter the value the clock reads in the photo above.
7:04:44
